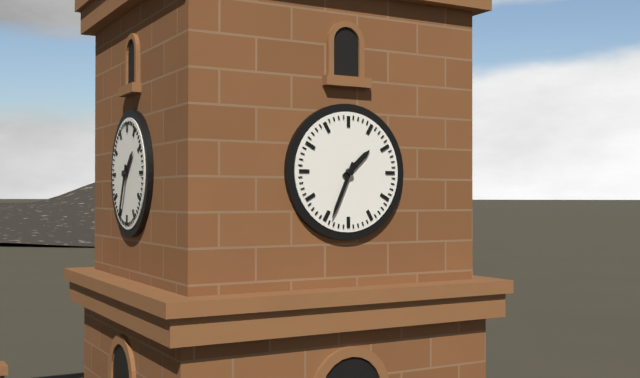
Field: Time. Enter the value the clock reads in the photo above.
1:34
